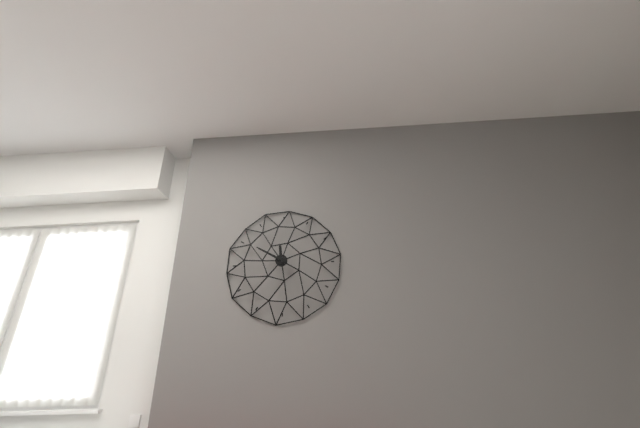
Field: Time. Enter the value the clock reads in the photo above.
11:50
